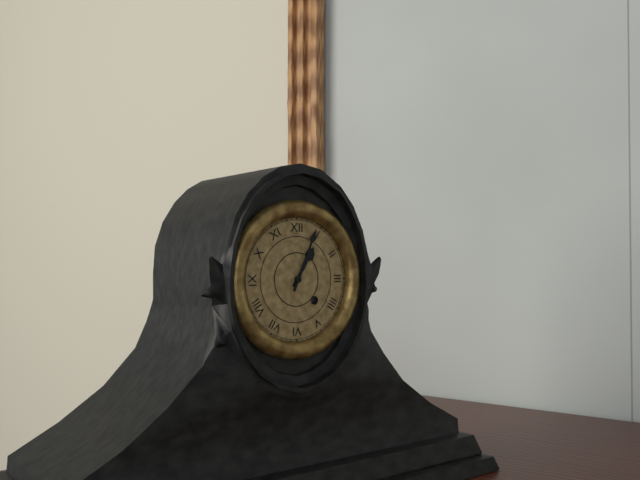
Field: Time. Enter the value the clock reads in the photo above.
1:04
